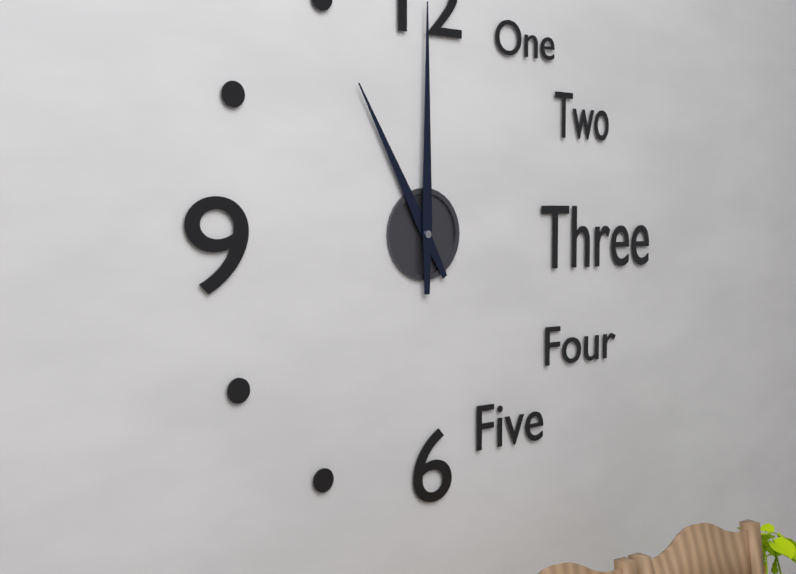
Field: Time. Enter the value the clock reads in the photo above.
11:00
